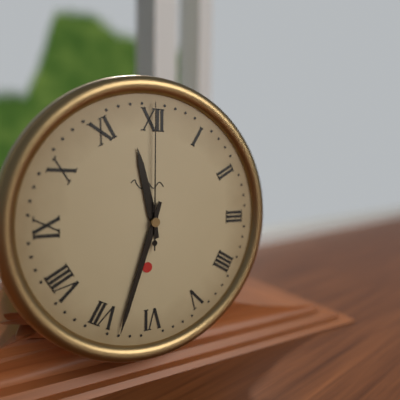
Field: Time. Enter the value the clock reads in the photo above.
11:33:00
